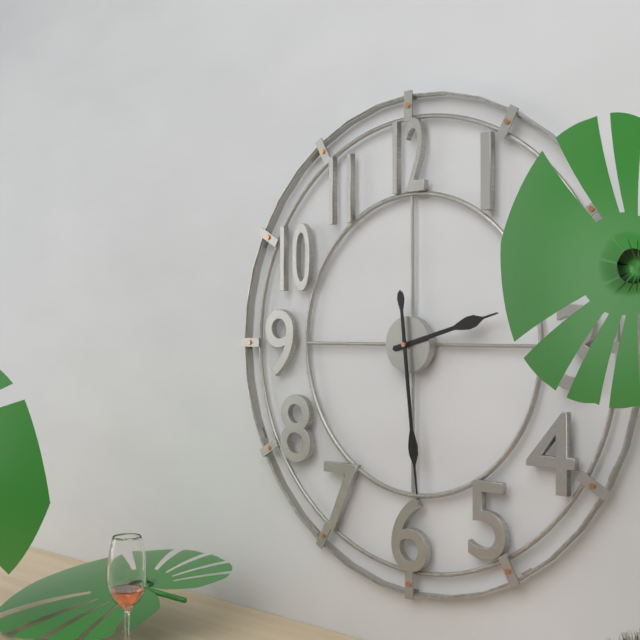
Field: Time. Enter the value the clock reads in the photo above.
2:29
